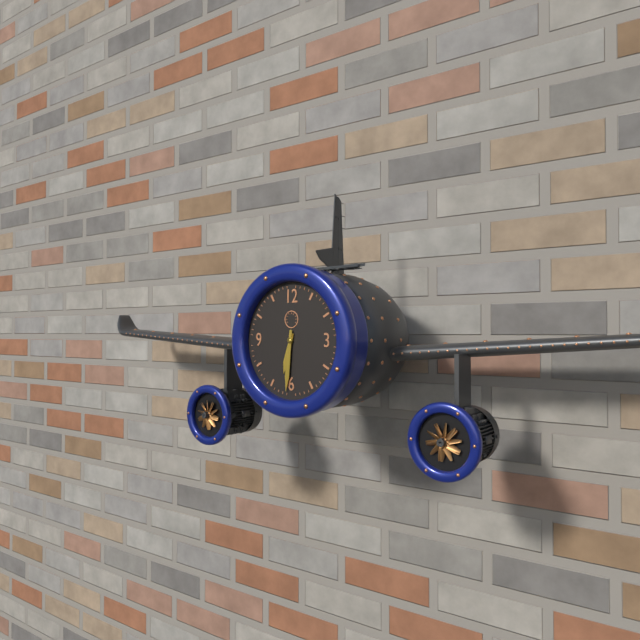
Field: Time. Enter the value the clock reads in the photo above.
6:31
